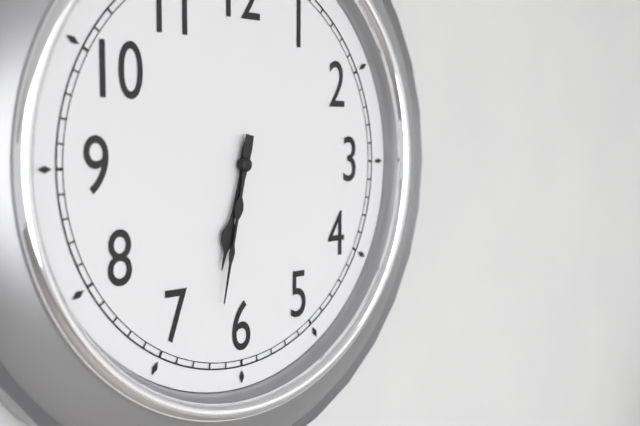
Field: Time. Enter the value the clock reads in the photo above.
6:32
